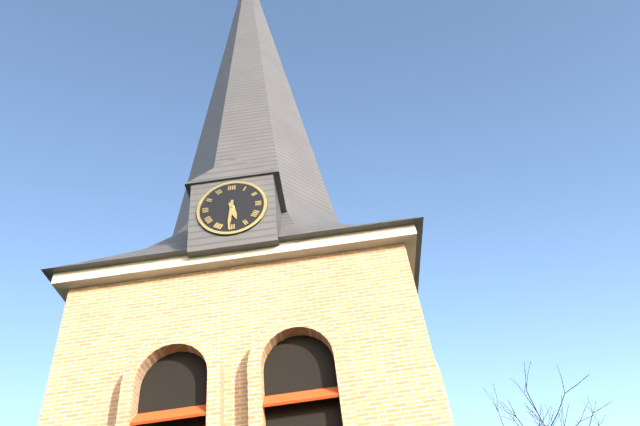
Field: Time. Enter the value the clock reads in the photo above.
5:31
